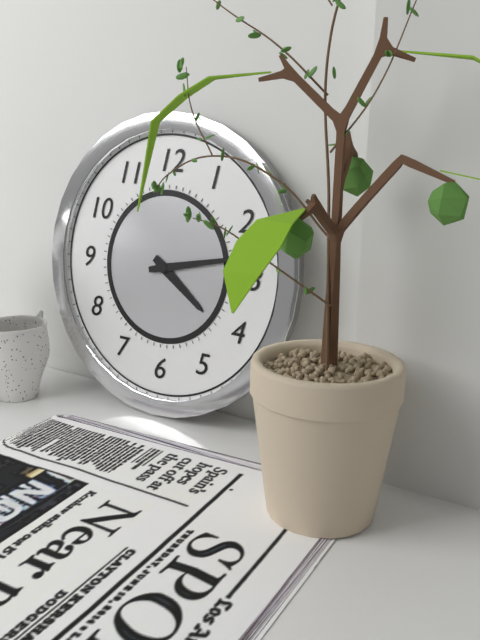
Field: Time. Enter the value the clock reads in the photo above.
4:13
